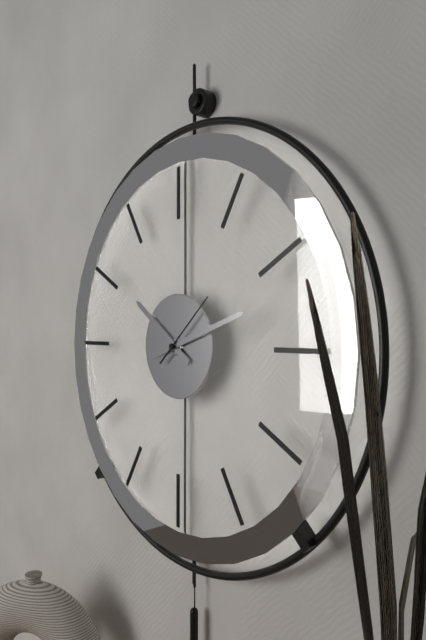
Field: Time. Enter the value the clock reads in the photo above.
10:12:08
